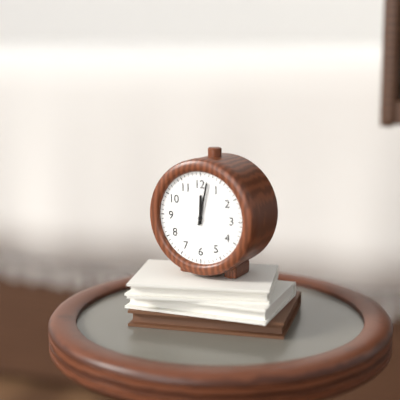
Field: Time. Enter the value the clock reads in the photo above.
12:02
